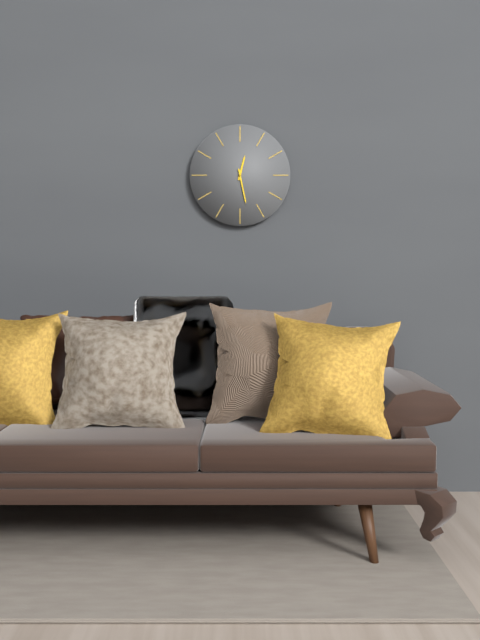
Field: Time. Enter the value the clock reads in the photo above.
12:28
